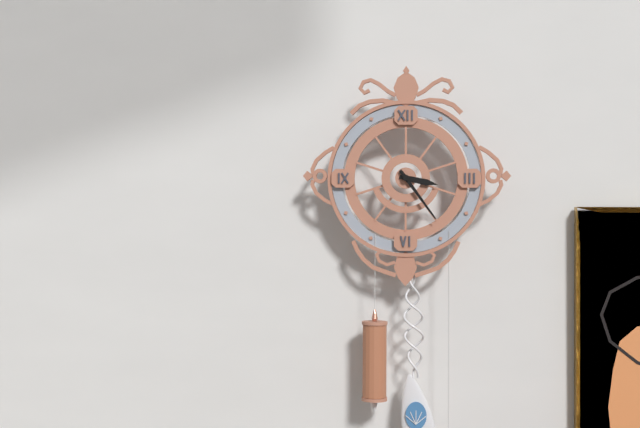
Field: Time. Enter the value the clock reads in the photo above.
3:24
